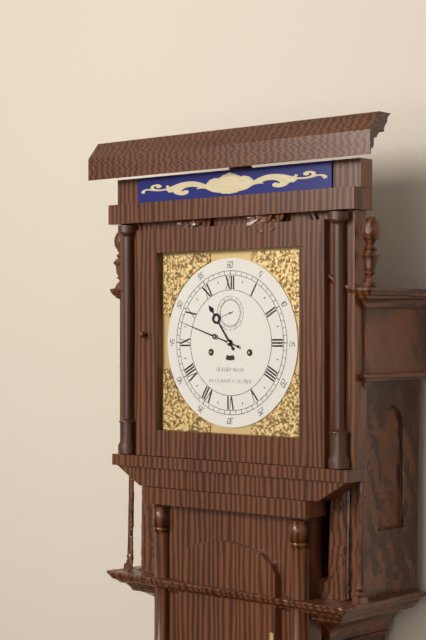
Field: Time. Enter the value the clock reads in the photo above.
10:48
